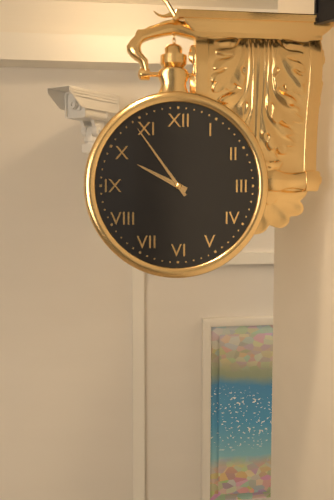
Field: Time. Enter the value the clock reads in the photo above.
9:54
